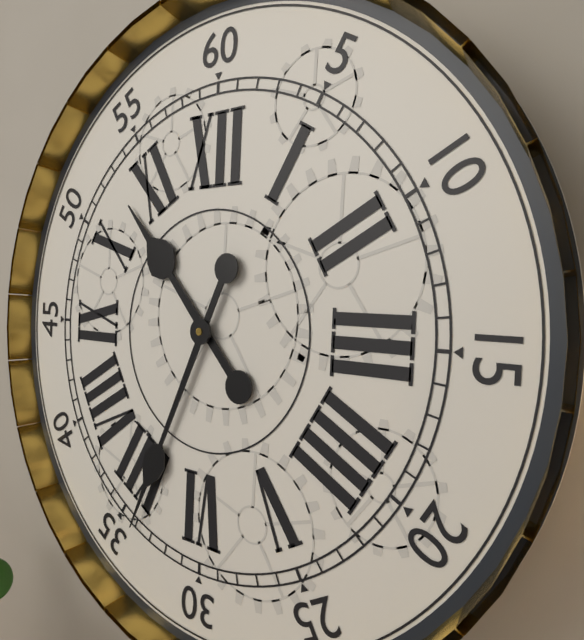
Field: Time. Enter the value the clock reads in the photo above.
10:34
